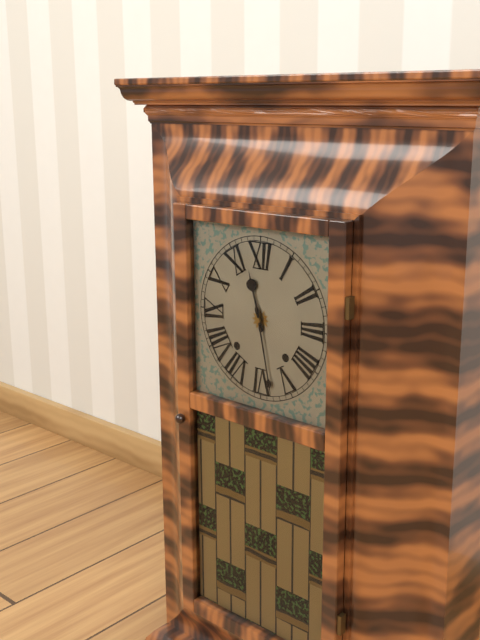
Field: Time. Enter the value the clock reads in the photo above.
11:28
